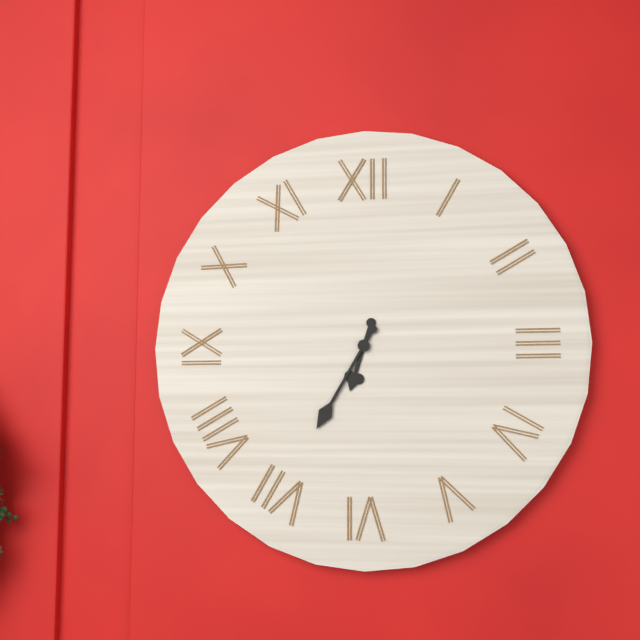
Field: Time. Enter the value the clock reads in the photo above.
6:35
